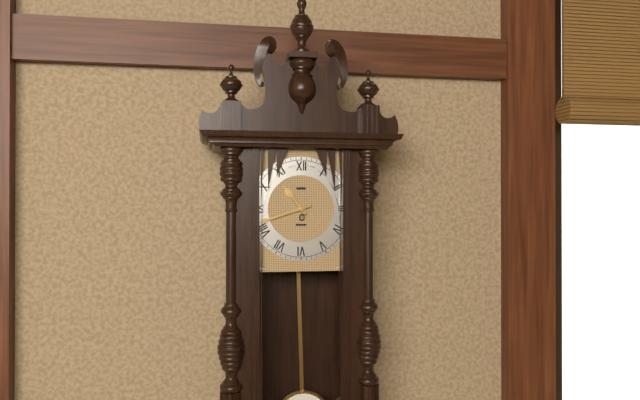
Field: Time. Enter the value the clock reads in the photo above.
10:42
